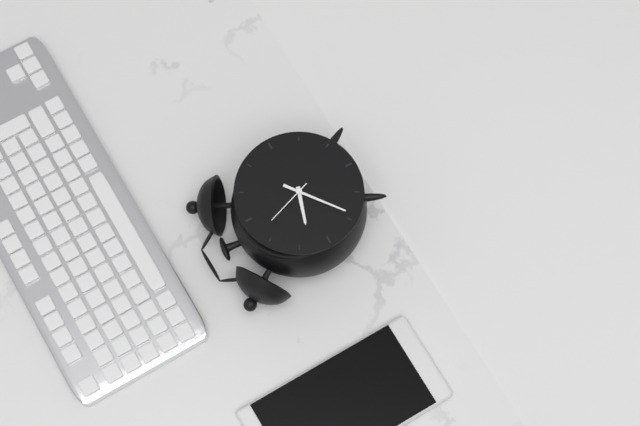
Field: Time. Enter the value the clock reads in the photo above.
9:39:57
